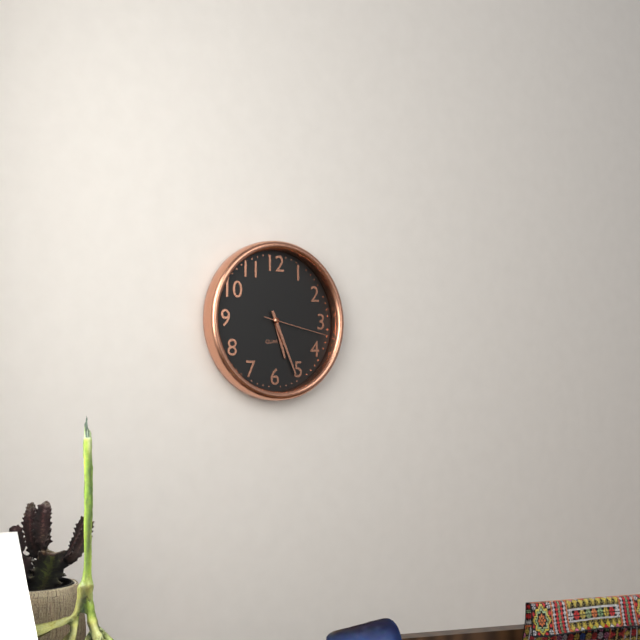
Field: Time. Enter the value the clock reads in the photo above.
5:26:17
